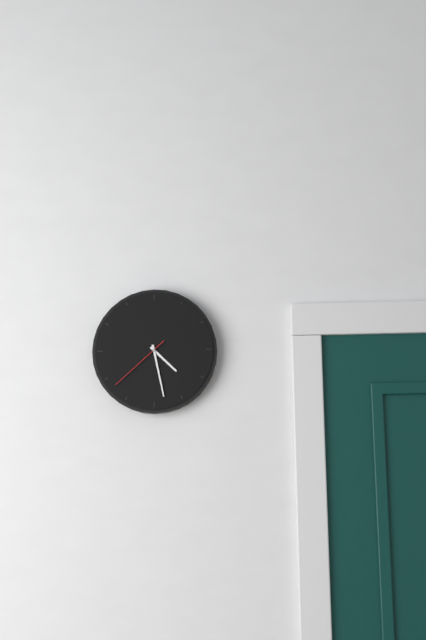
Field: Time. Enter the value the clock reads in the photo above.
4:28:38
